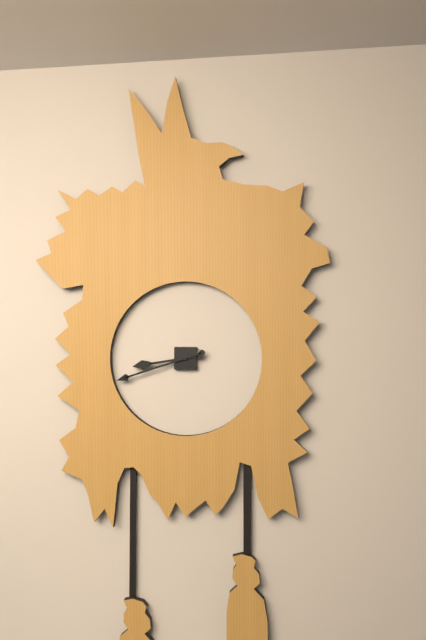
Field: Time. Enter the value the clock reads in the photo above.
8:42
